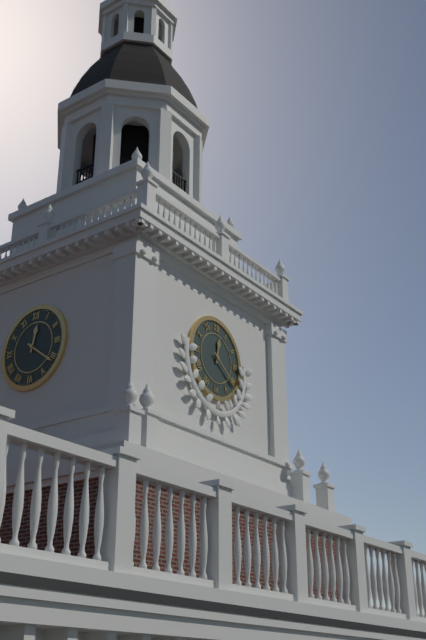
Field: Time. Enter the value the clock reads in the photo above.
12:21
